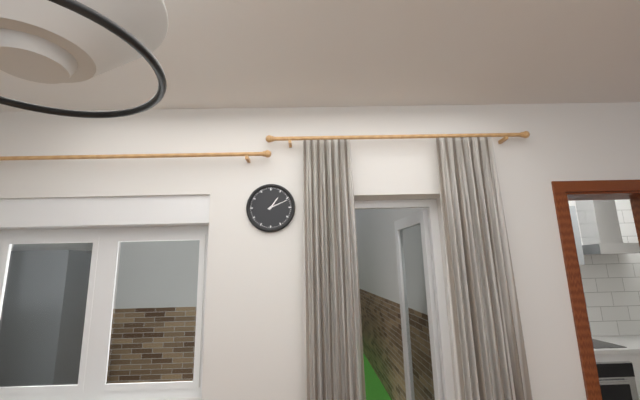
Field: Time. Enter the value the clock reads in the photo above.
1:11
